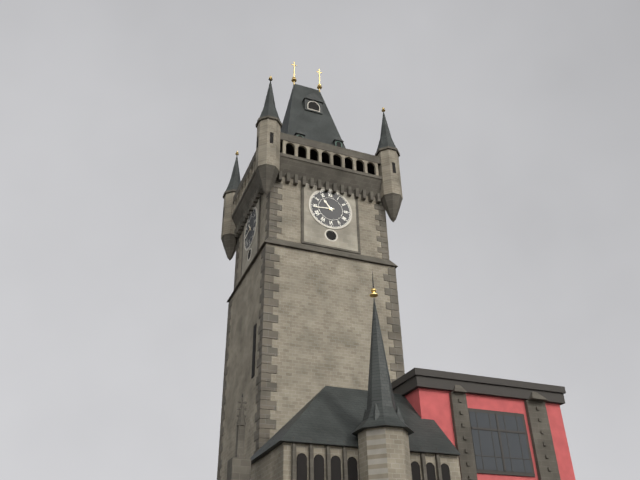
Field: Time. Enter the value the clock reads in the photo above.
10:44
